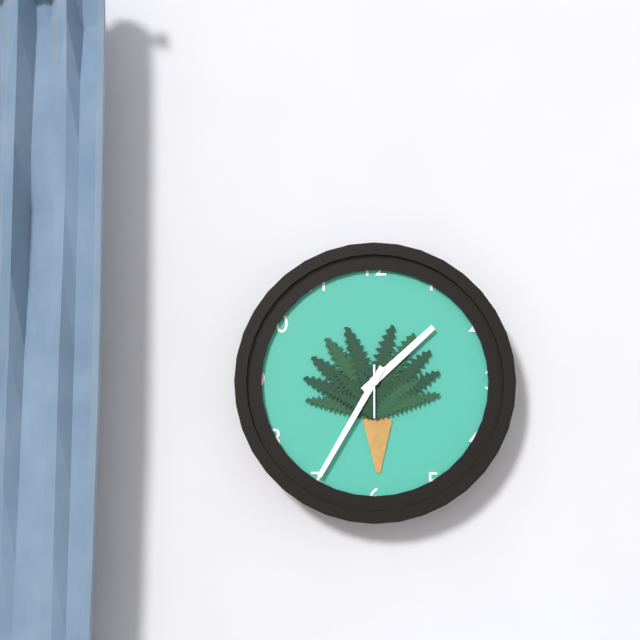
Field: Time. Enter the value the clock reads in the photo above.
1:35
